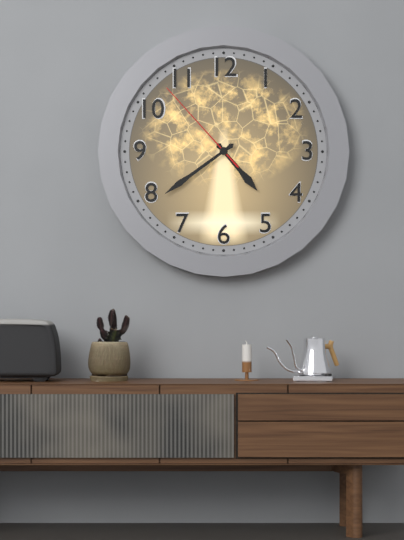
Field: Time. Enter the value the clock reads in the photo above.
4:39:53
